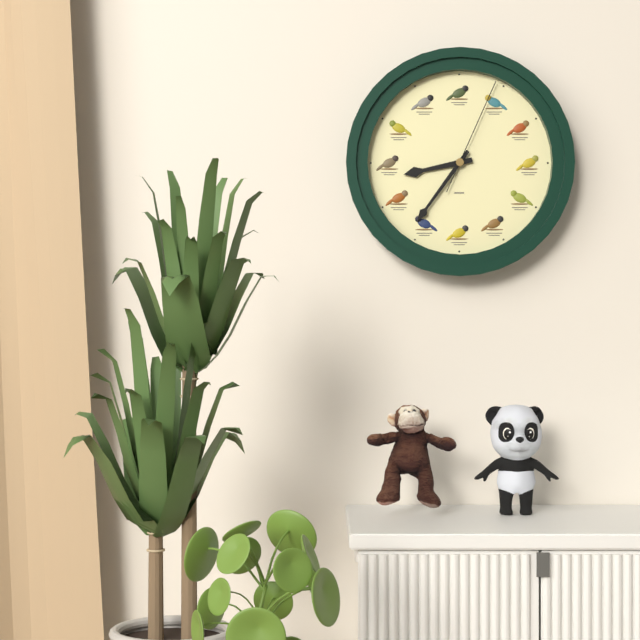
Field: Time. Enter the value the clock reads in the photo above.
8:36:04
